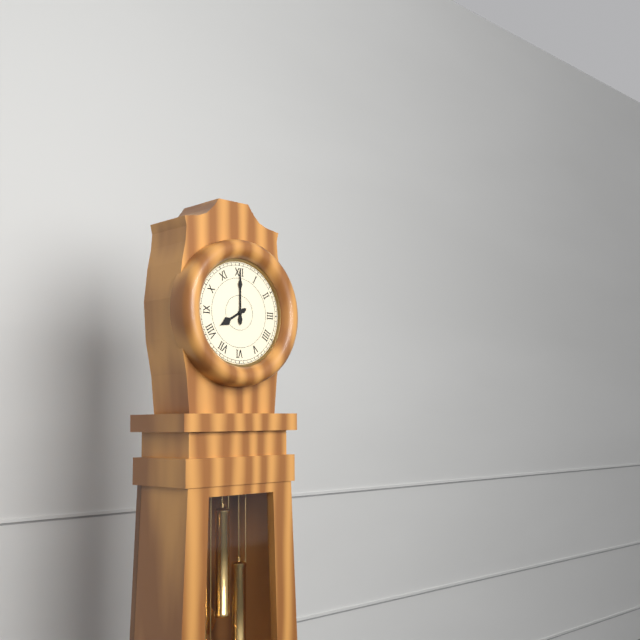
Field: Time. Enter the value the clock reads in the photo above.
8:00
